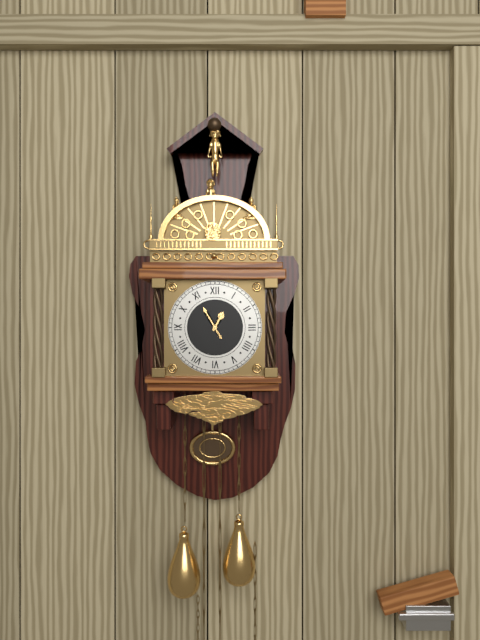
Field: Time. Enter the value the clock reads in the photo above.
12:55
